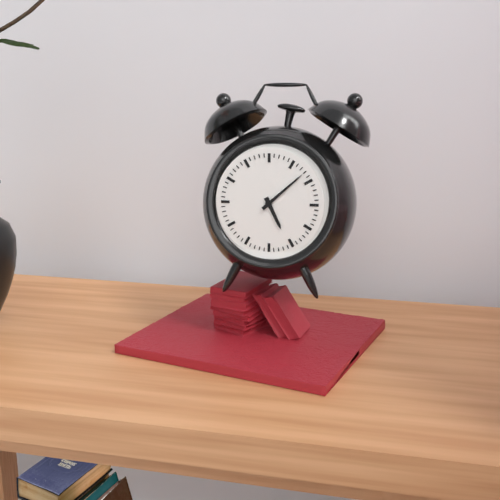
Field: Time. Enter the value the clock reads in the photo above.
5:08
